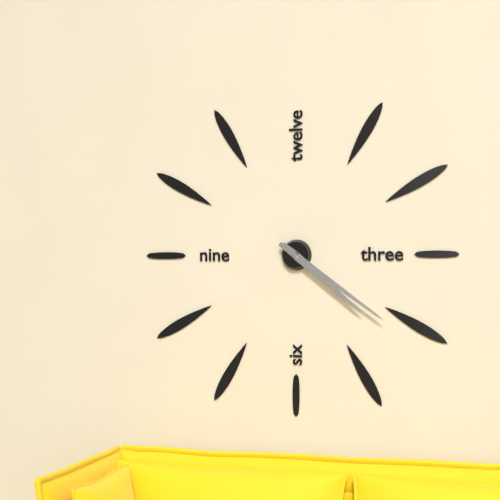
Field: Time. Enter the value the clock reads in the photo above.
4:21
